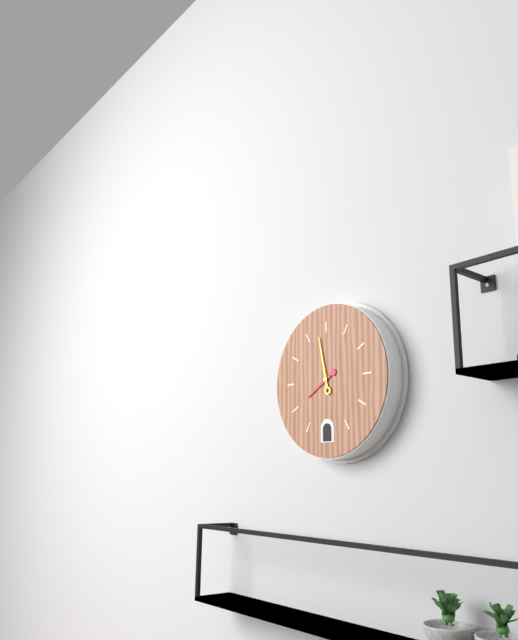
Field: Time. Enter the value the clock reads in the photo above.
7:58
